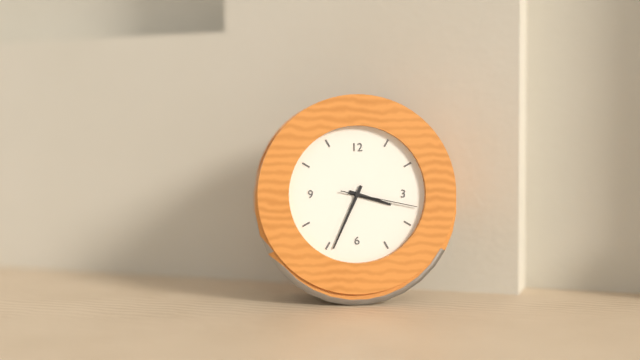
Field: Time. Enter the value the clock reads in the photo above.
3:34:17
